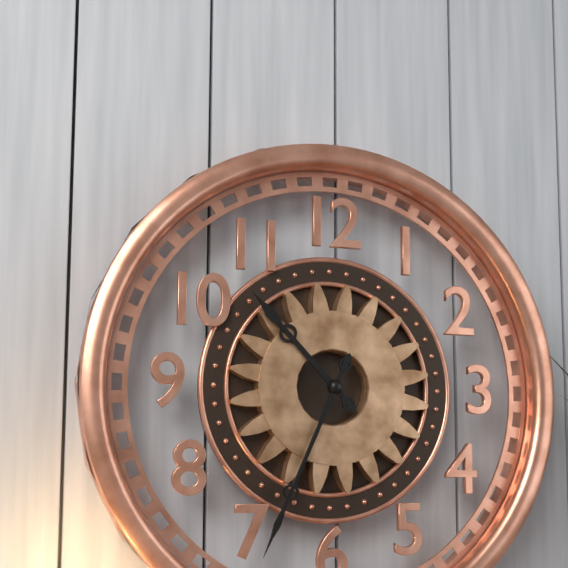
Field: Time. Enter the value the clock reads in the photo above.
10:34
